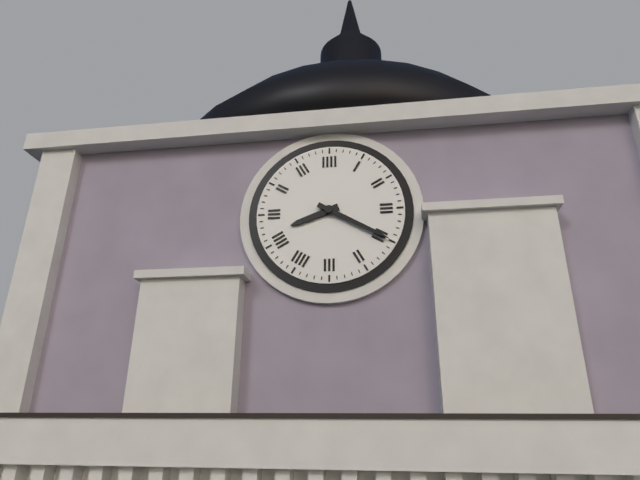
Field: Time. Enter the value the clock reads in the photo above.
8:20
